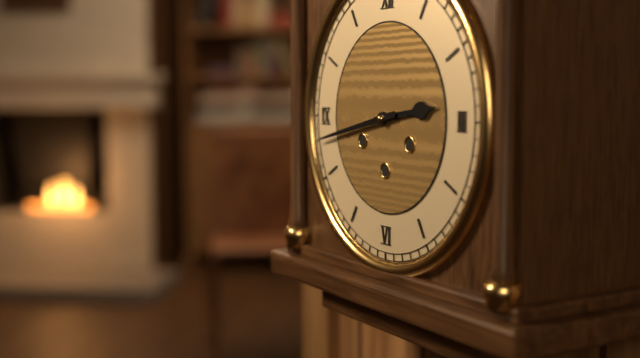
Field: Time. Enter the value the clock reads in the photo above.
2:43
